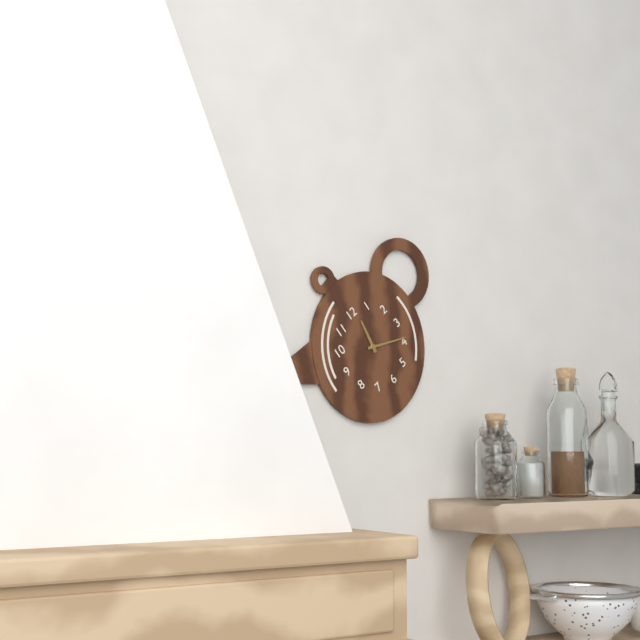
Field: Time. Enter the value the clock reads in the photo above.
12:19
